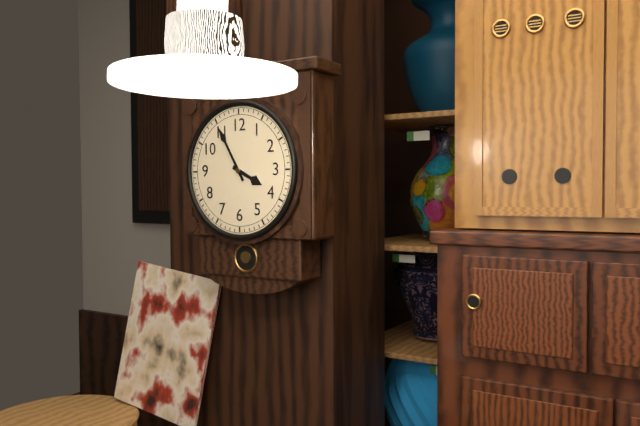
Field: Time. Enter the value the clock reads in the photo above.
3:55
